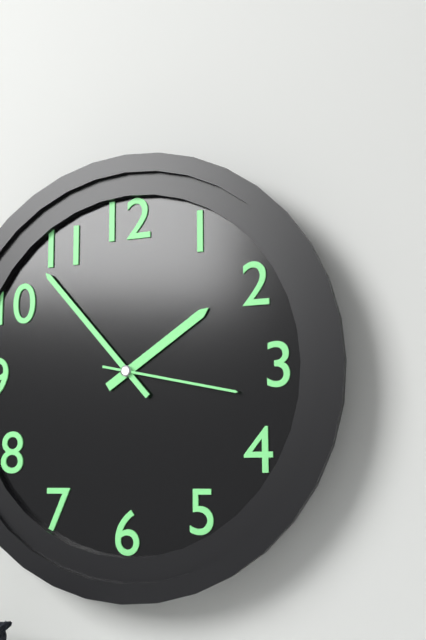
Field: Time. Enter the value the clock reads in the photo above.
1:53:17
